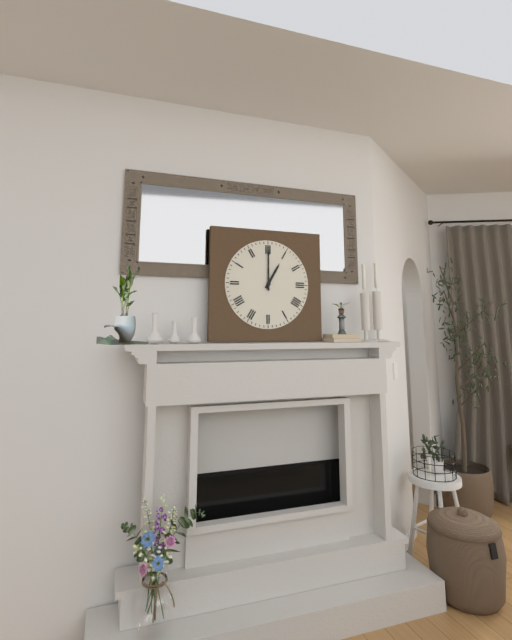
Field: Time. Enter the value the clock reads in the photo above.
1:00
